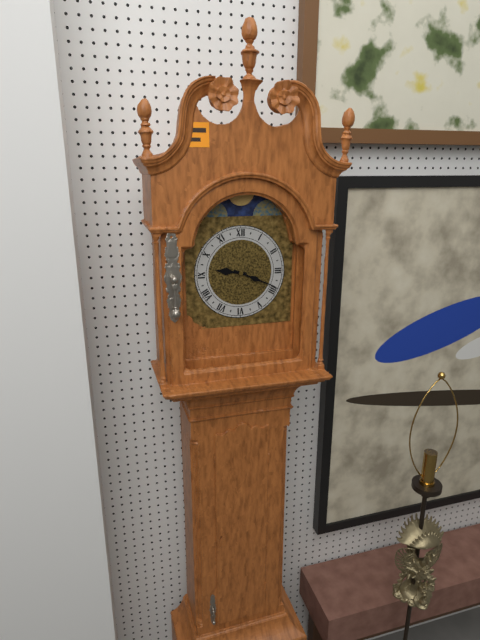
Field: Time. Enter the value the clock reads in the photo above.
9:19
